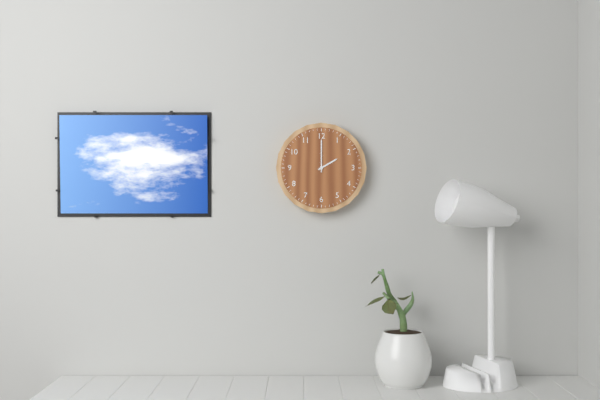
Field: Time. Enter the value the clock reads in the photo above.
2:00
